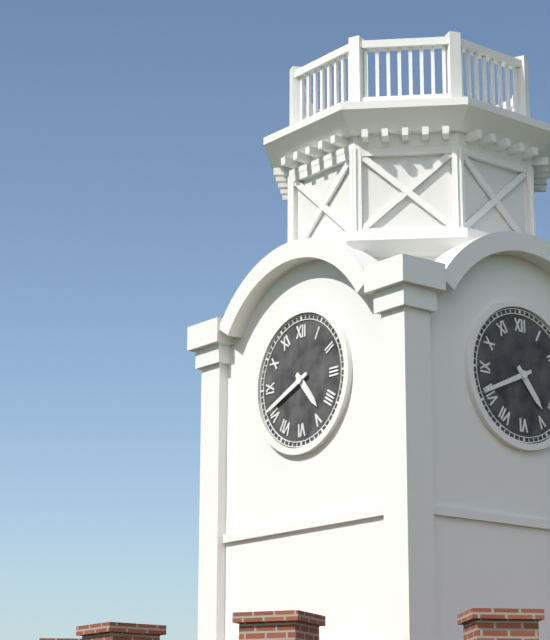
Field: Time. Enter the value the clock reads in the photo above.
4:41
